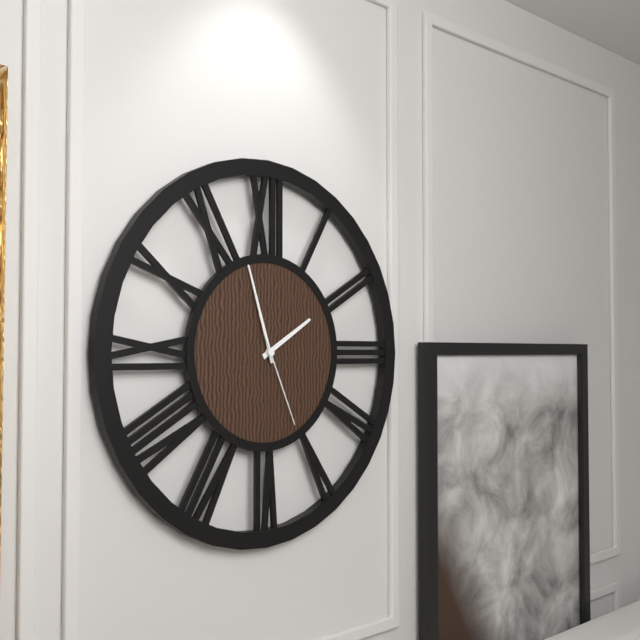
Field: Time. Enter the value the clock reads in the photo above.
1:57:26
